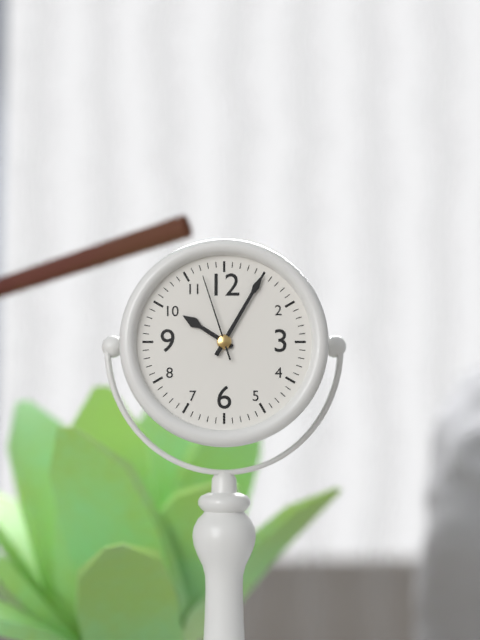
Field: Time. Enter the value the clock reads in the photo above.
10:05:57
